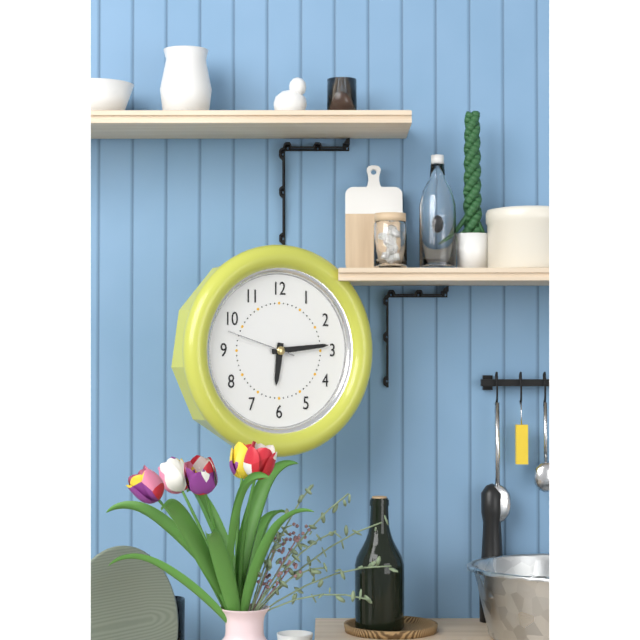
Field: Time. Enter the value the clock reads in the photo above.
6:14:48
